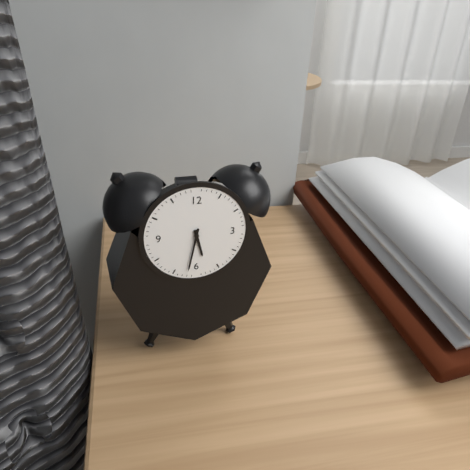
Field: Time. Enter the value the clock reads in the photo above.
5:32
